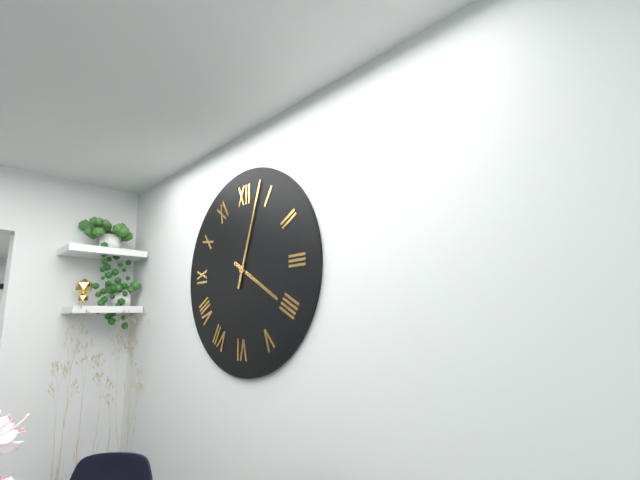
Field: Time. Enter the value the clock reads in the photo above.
4:03
